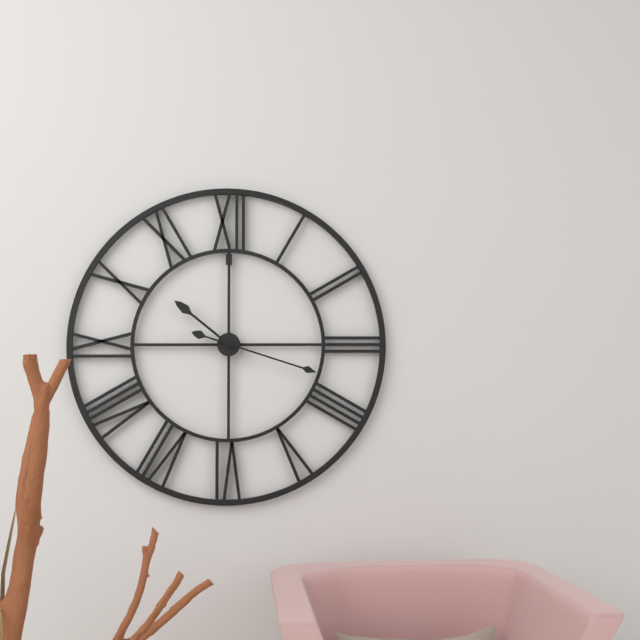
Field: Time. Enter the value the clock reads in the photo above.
10:18
